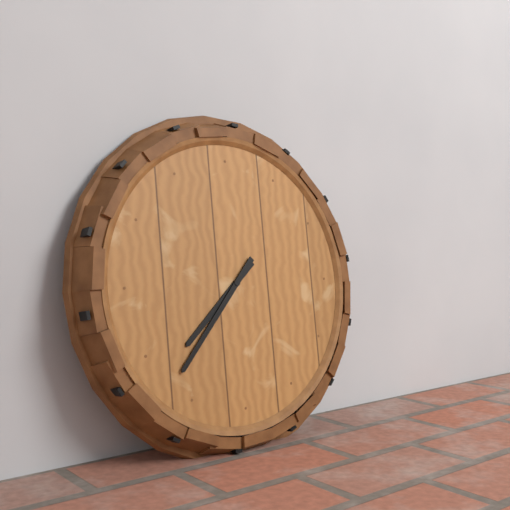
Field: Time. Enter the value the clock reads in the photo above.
7:37
